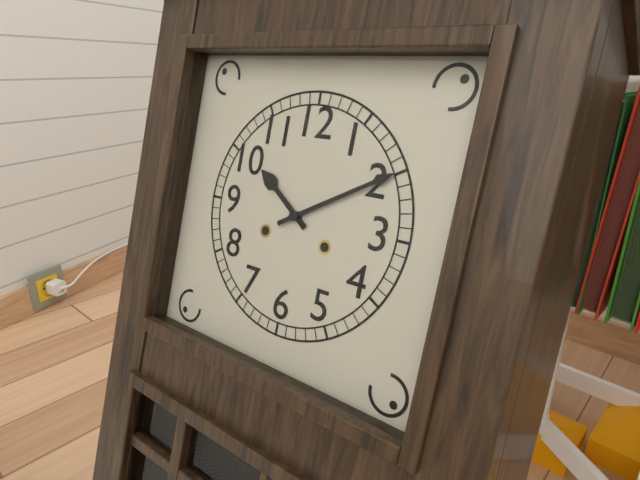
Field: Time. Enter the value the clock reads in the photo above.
10:10
